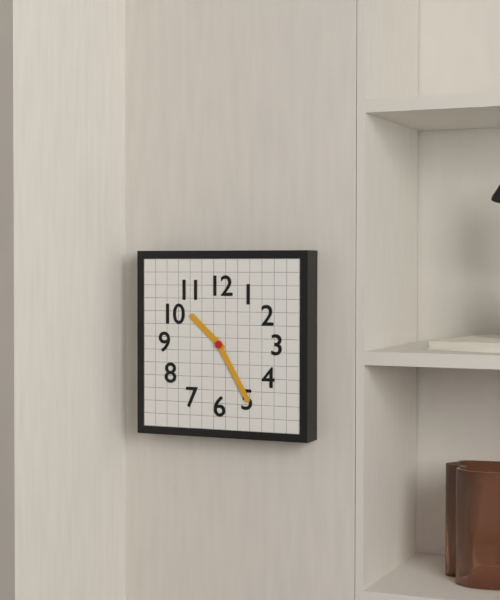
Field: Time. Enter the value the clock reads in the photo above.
10:25
